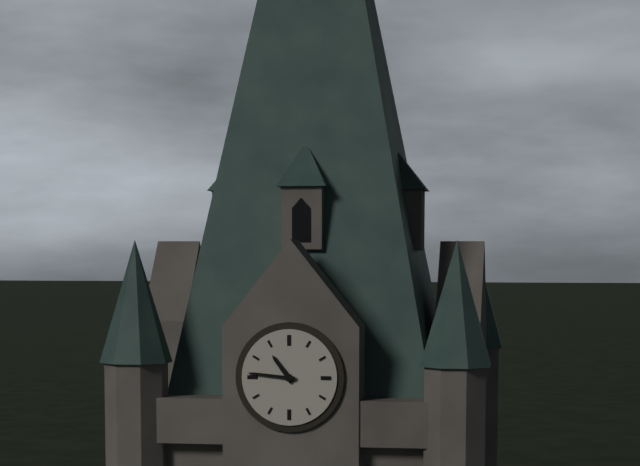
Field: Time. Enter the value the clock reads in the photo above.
10:46
